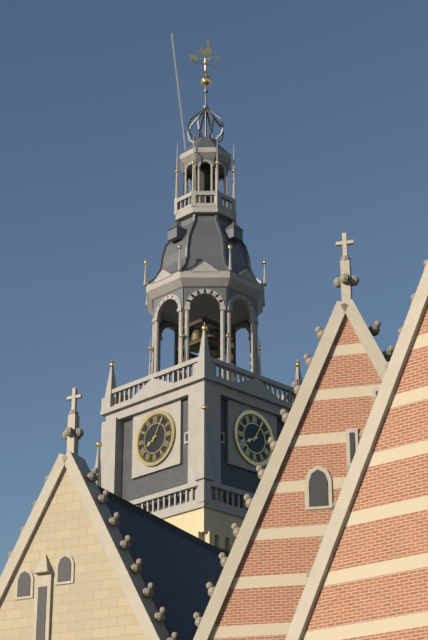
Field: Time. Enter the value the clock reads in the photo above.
8:05
